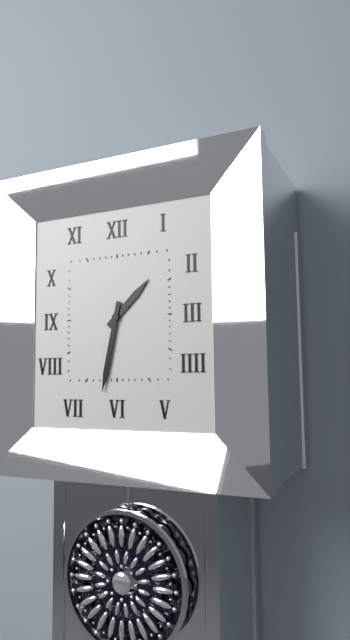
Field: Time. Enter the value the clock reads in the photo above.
1:32
